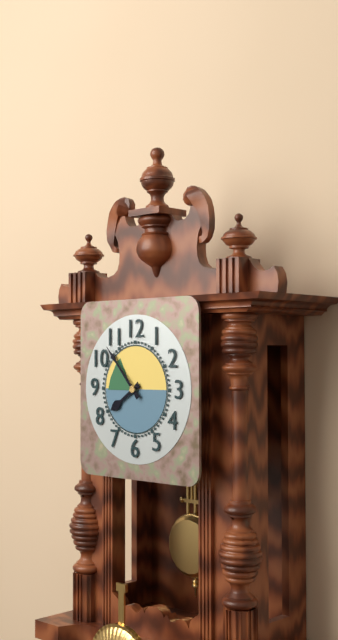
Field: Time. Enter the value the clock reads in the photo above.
7:53
